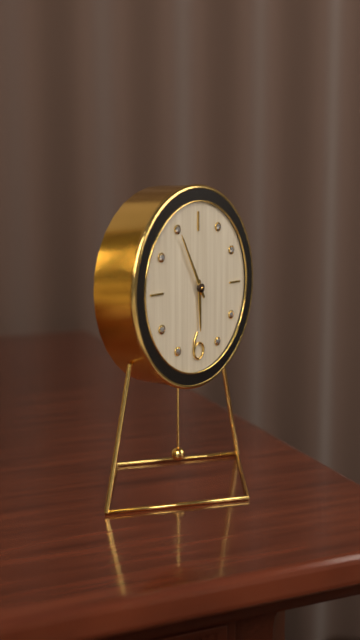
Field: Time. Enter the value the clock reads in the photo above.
5:55
